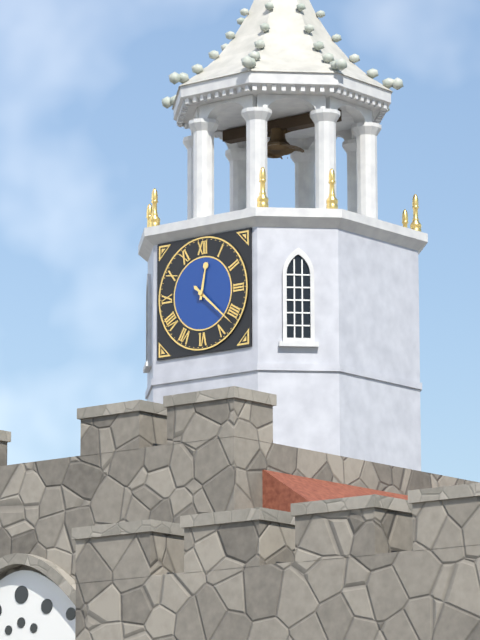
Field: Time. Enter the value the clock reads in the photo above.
12:22
